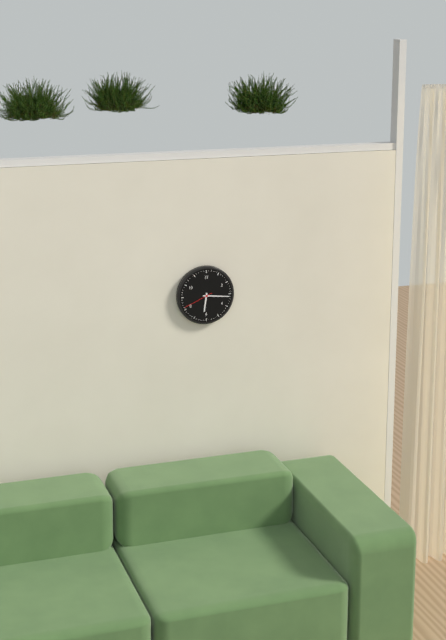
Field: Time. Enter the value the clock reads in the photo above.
6:16
